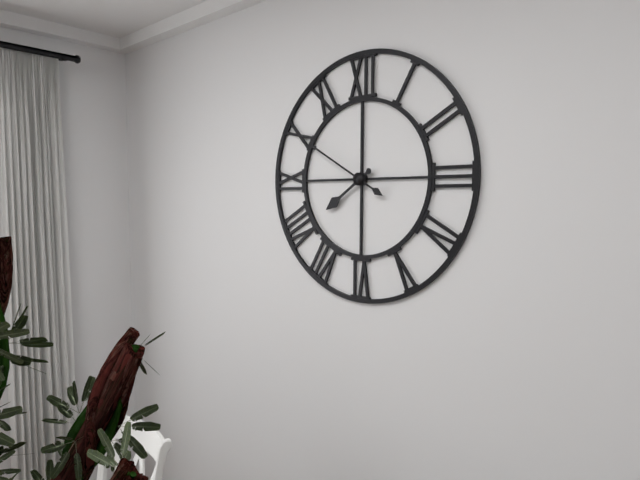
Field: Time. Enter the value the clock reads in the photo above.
7:50
